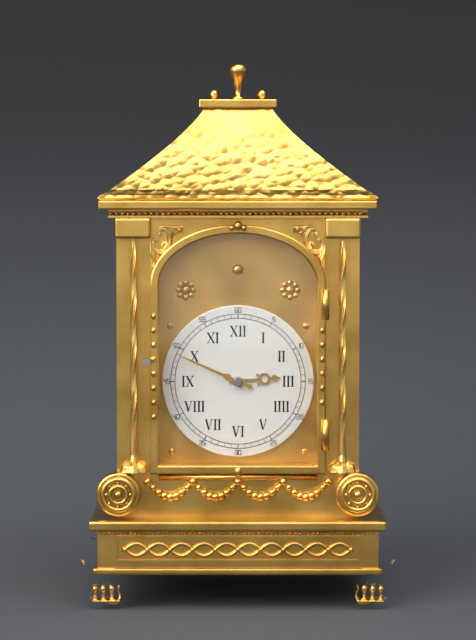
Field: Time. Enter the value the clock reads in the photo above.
2:49
